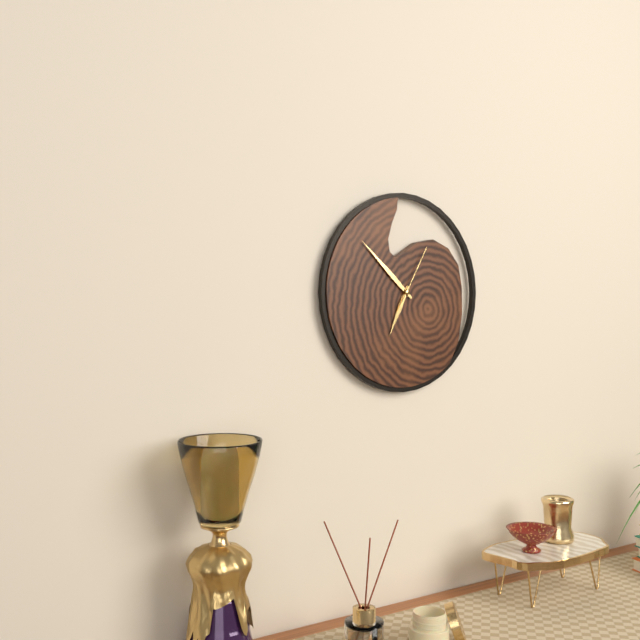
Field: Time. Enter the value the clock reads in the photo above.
6:52:05
